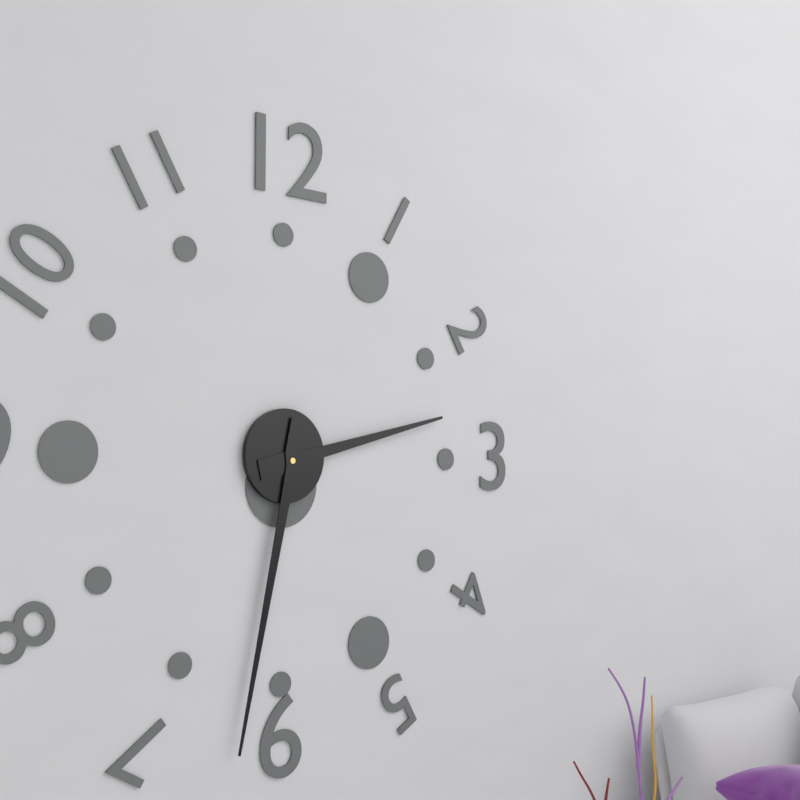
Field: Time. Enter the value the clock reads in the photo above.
2:32
